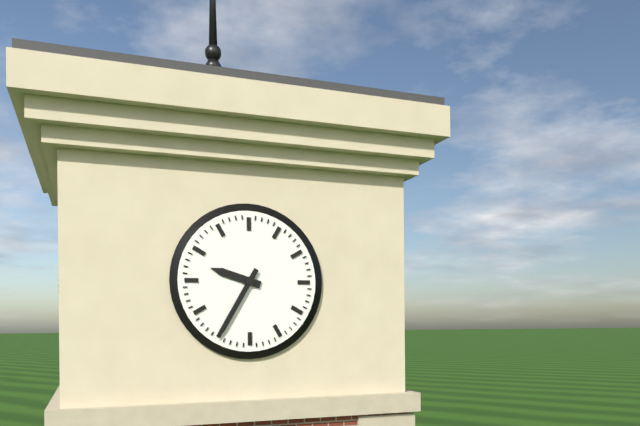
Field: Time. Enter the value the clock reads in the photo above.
9:35
